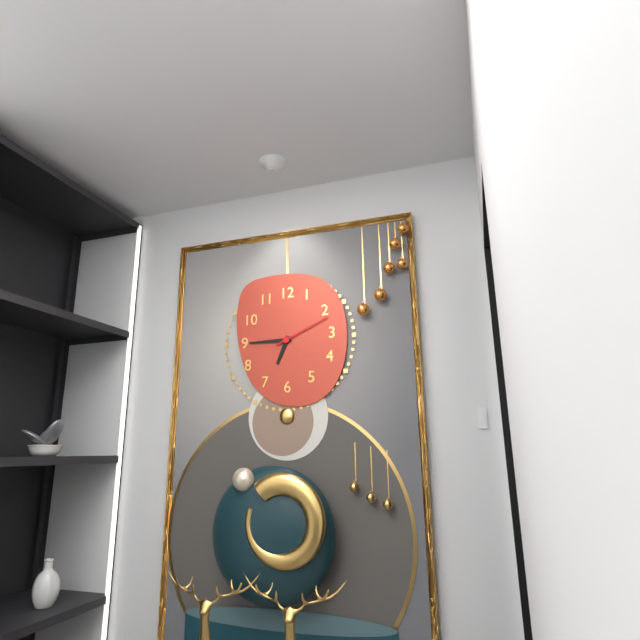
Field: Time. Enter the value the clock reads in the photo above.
6:45:11
